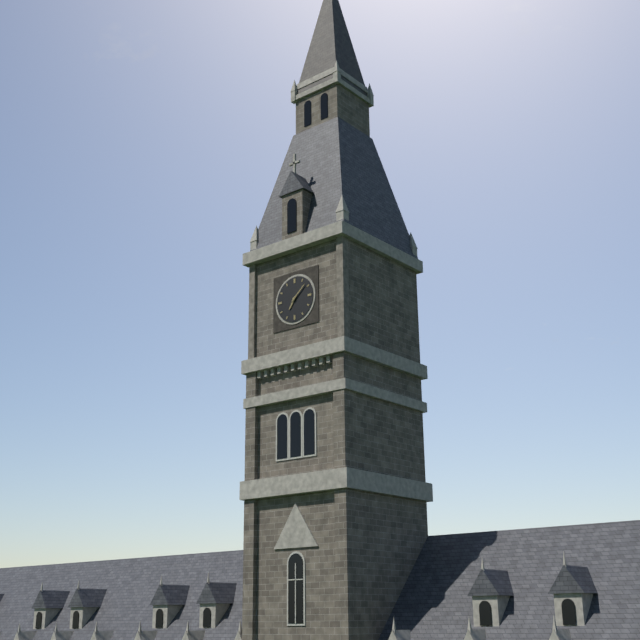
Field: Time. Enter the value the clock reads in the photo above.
7:08
